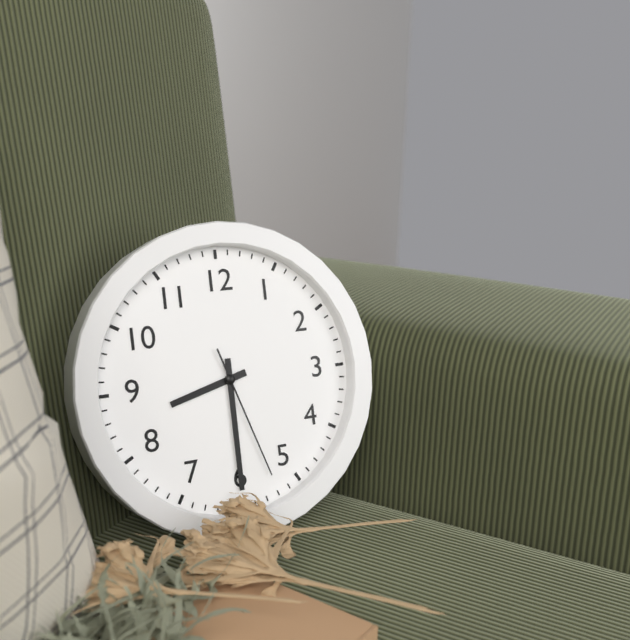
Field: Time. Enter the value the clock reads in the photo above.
8:30:27
